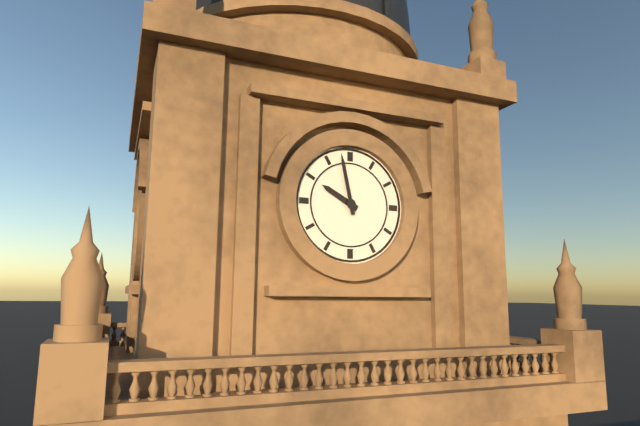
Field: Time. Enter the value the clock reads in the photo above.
9:58
